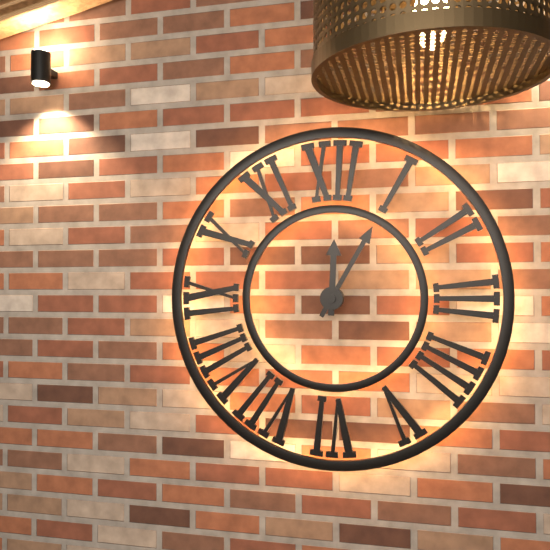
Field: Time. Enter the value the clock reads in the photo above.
12:05
